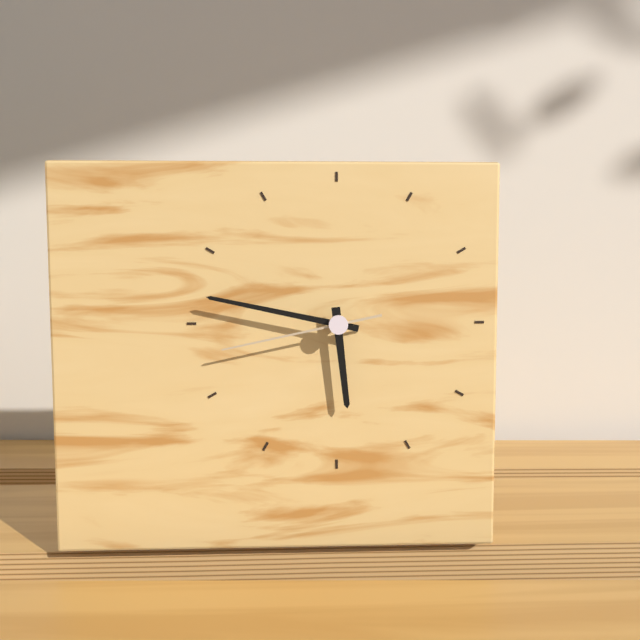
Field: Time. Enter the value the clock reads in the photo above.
5:47:43
